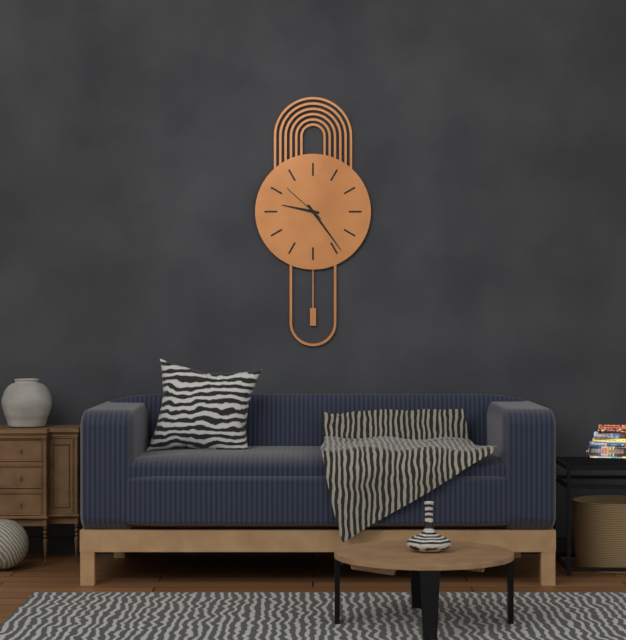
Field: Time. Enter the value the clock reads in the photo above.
9:24
